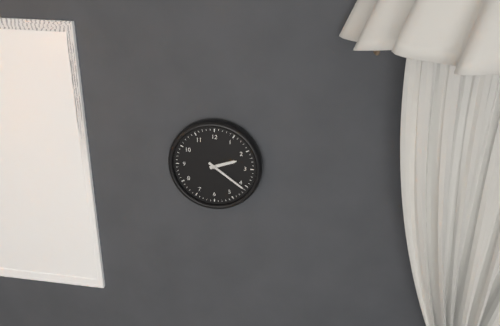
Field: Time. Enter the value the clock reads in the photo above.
2:21
